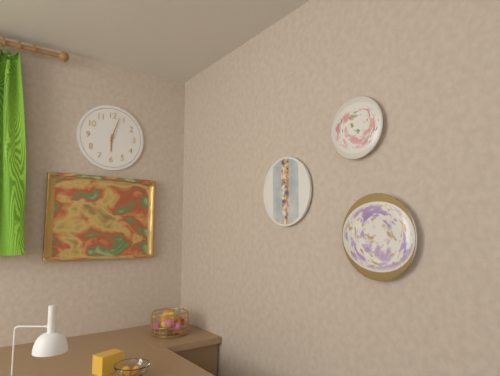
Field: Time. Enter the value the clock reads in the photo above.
6:03
